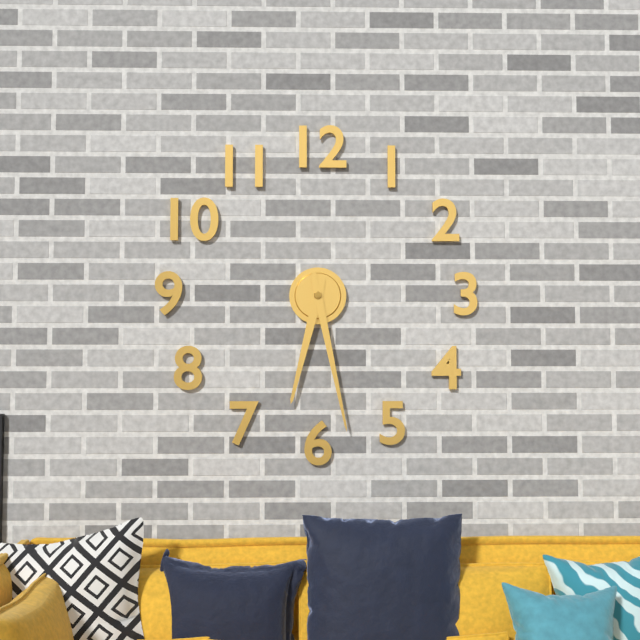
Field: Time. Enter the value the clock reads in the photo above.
6:28
